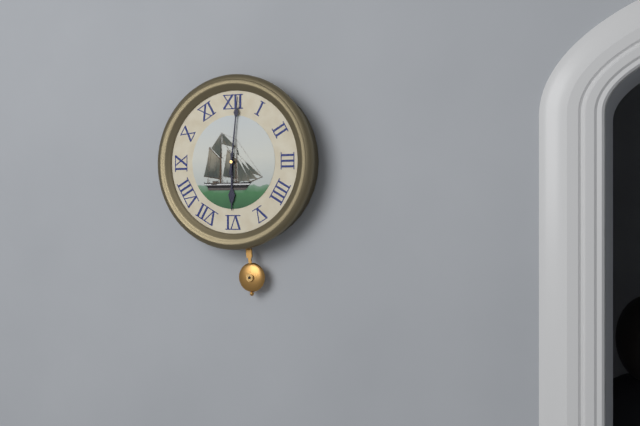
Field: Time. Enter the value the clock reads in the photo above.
6:01
